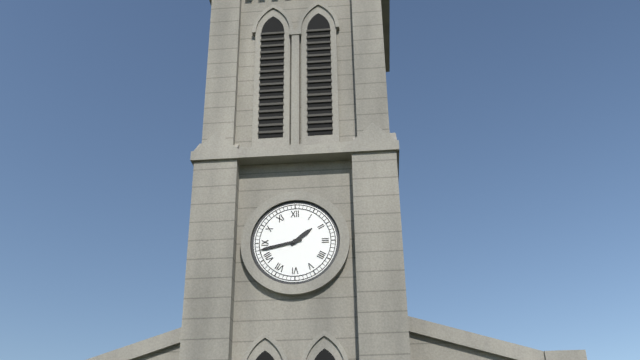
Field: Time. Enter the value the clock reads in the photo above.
1:43
